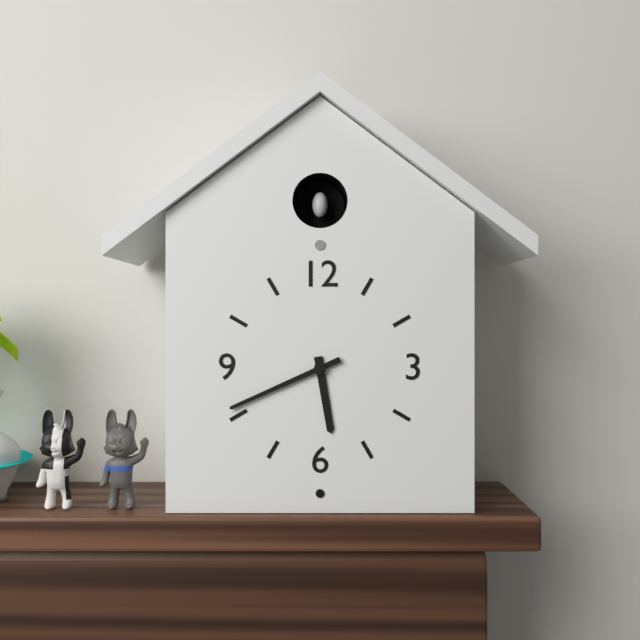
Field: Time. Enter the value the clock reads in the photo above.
5:41
